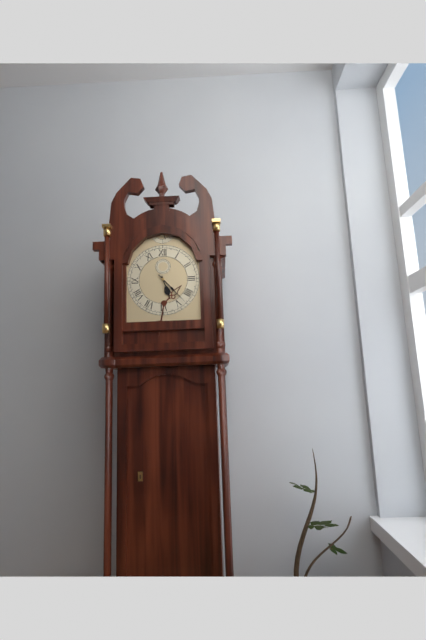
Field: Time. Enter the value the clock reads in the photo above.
5:23
